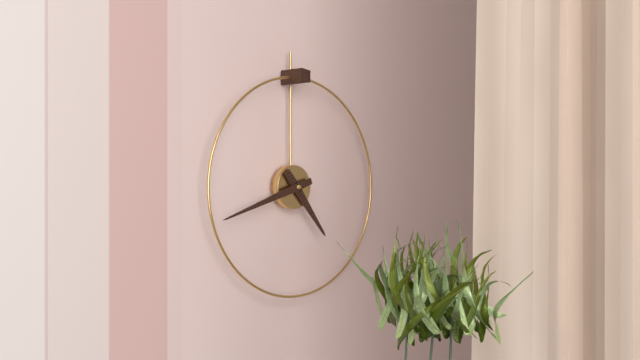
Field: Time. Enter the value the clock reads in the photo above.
4:42
